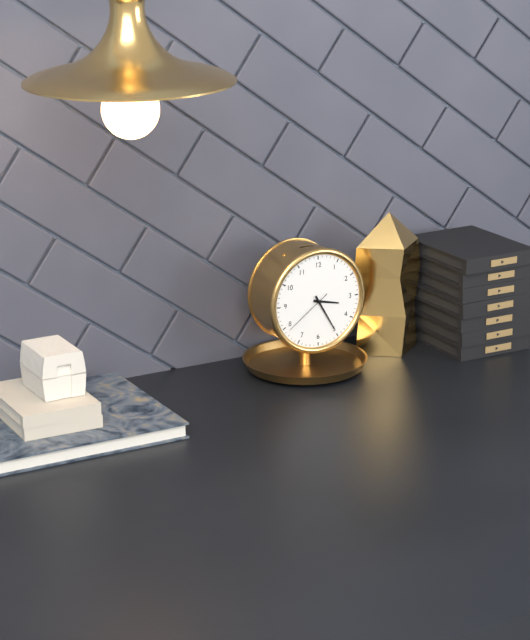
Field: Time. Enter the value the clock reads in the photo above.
3:25:39
